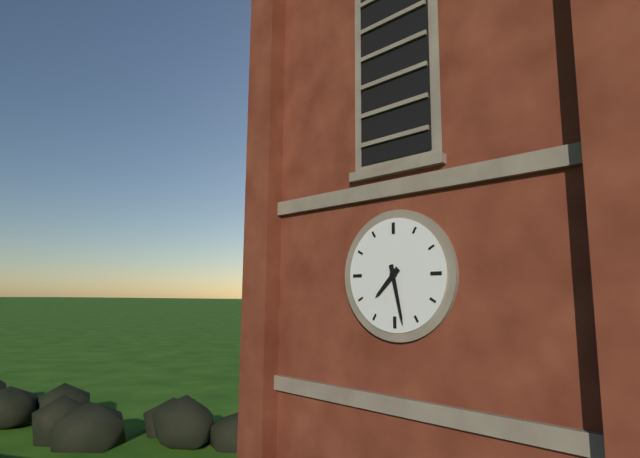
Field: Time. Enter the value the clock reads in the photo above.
7:28
